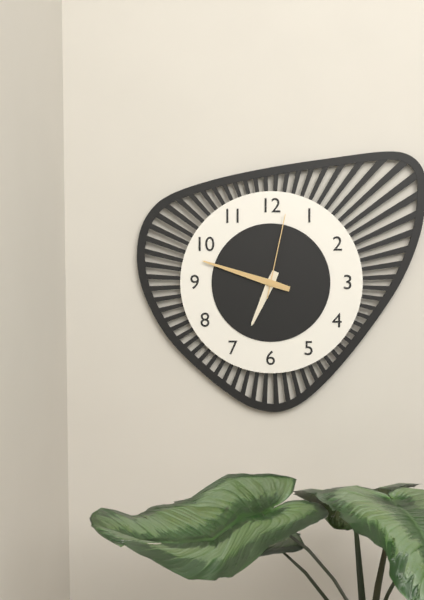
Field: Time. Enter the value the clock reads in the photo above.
6:48:02
